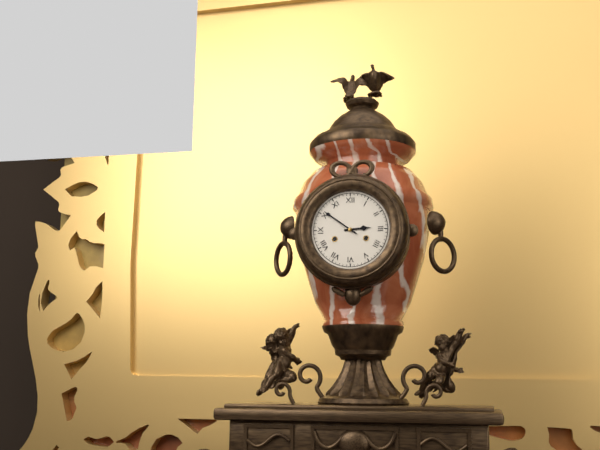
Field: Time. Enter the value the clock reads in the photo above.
2:51
